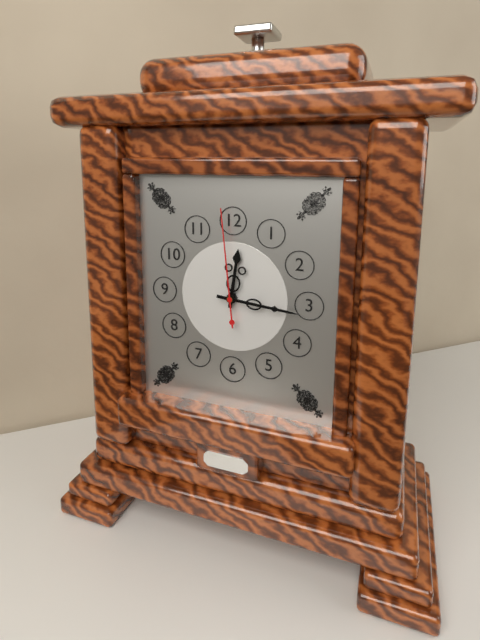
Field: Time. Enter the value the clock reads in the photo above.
12:16:59
